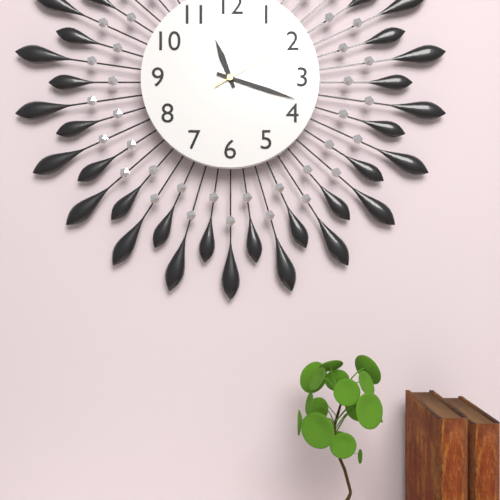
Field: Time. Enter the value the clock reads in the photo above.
11:18:10
